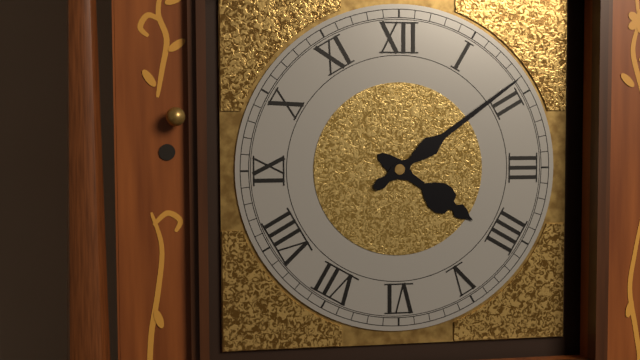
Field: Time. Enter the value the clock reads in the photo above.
4:09
